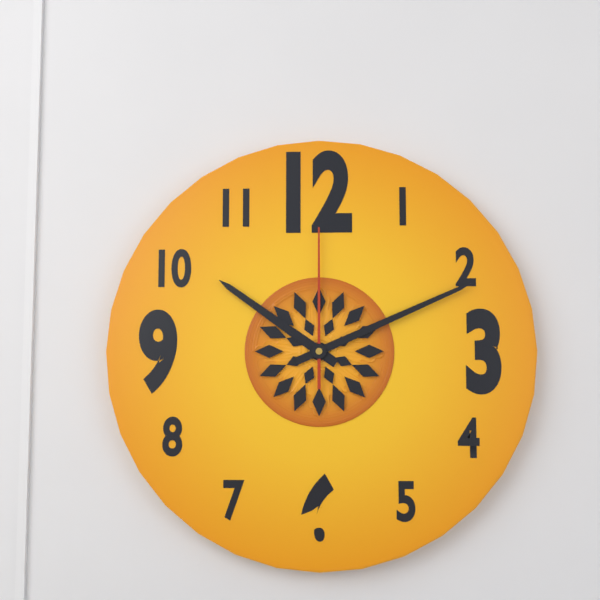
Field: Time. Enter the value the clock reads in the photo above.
10:11:00
